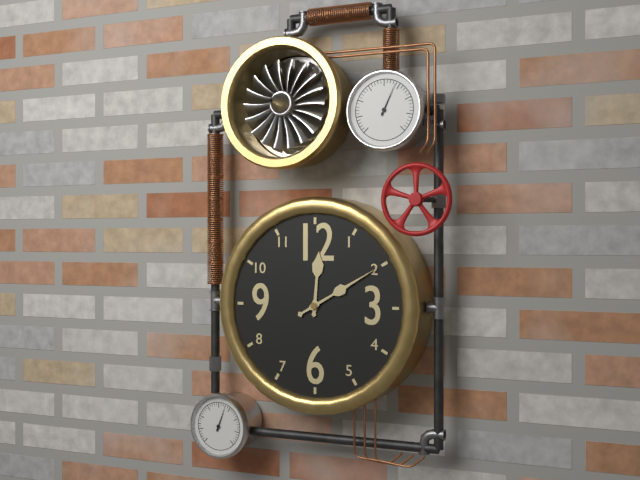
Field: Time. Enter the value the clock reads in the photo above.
12:10
